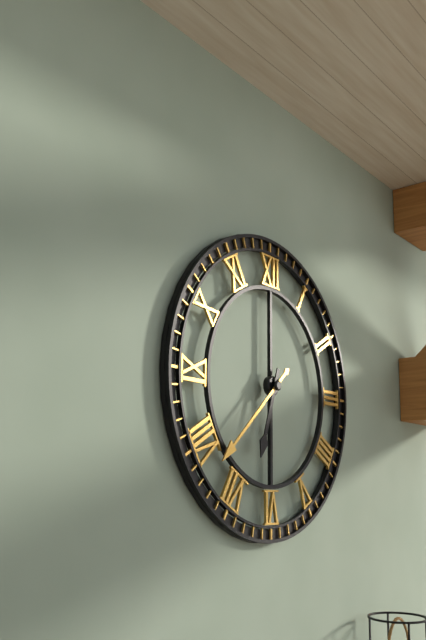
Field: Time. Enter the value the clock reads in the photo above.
6:38
